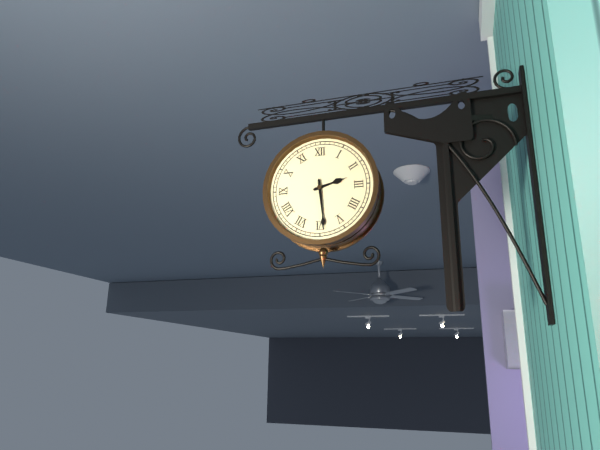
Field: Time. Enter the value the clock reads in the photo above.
2:29
